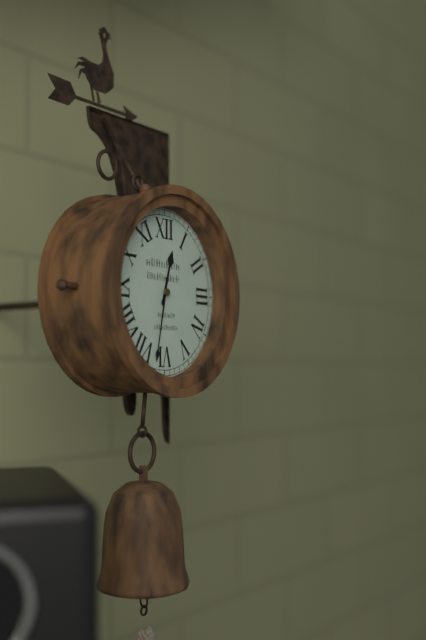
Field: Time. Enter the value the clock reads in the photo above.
12:32
